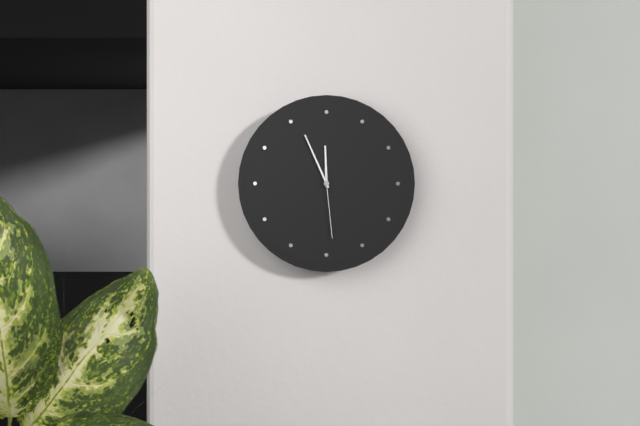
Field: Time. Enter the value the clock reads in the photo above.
11:56:29
